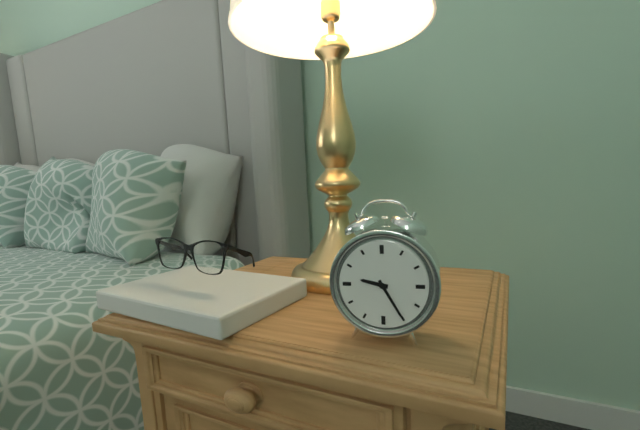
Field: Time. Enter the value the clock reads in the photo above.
9:25
